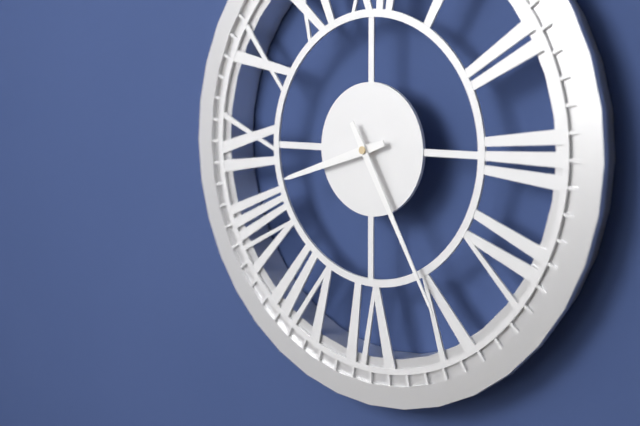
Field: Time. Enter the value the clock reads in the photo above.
8:25
